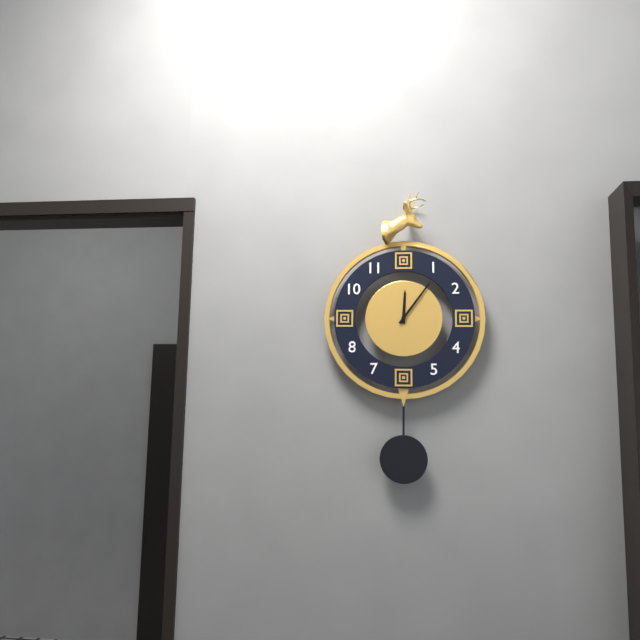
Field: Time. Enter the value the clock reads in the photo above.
12:06
